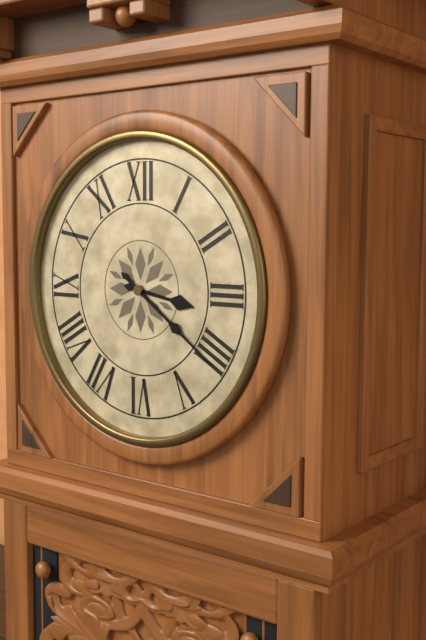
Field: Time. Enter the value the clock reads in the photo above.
3:21
